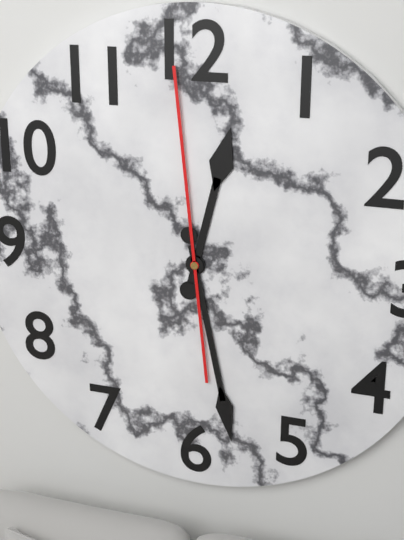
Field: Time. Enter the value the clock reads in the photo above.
12:28:59
